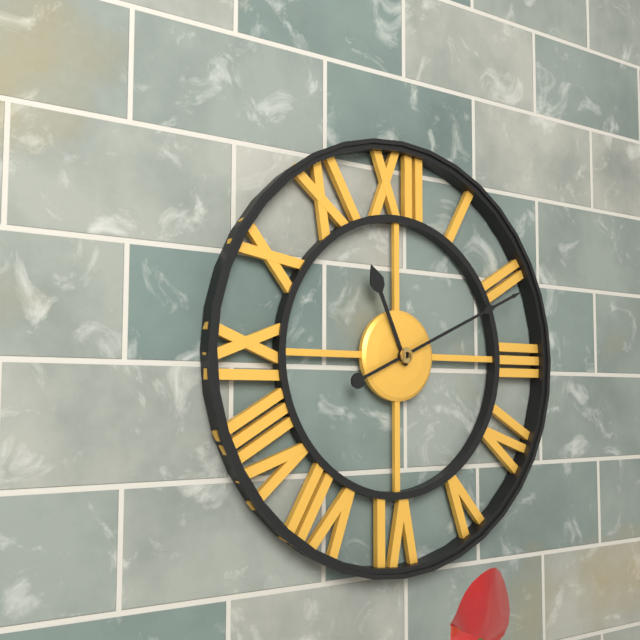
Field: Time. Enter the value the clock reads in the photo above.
11:11
